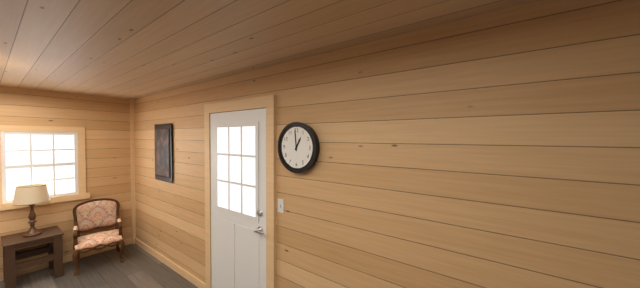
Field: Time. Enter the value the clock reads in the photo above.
12:59
